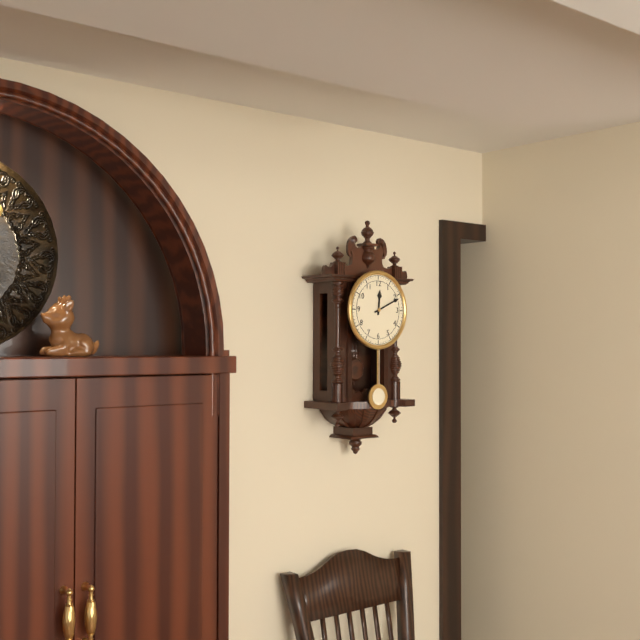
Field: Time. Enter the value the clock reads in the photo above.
12:11
